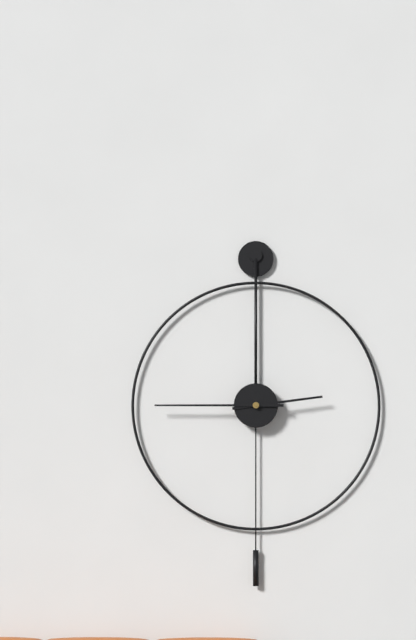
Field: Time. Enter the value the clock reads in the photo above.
2:45
